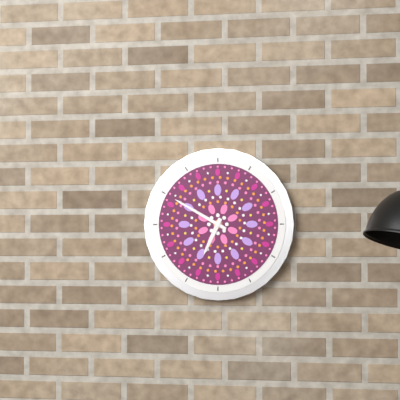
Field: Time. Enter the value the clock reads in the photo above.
6:50
